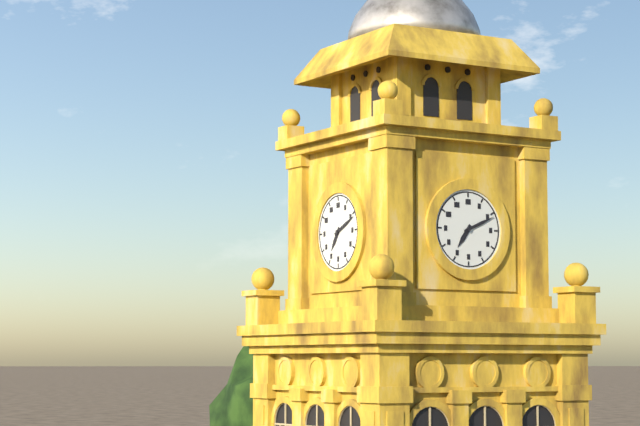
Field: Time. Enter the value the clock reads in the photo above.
7:11
